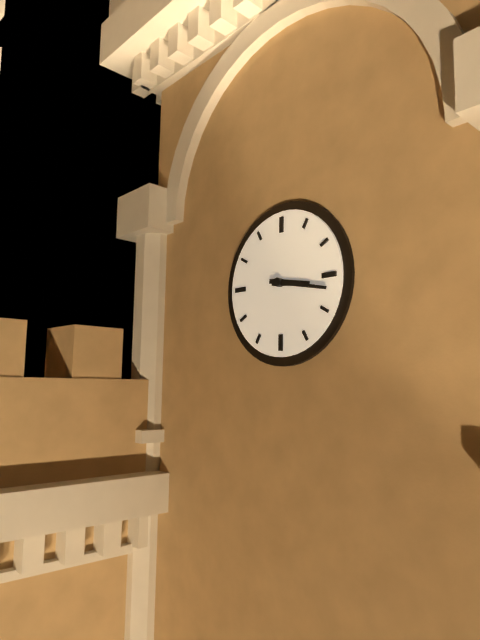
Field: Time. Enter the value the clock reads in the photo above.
3:17
